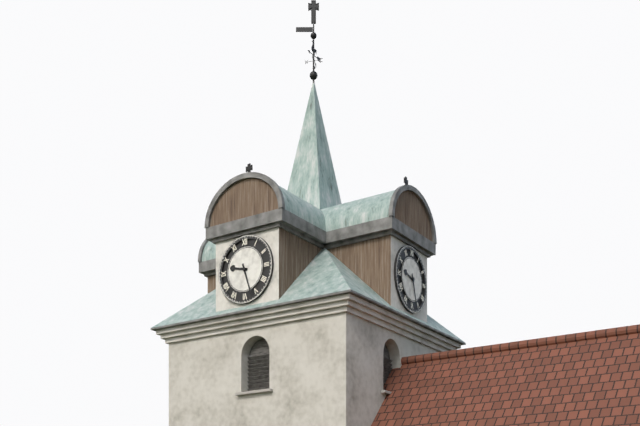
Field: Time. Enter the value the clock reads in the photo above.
9:27
